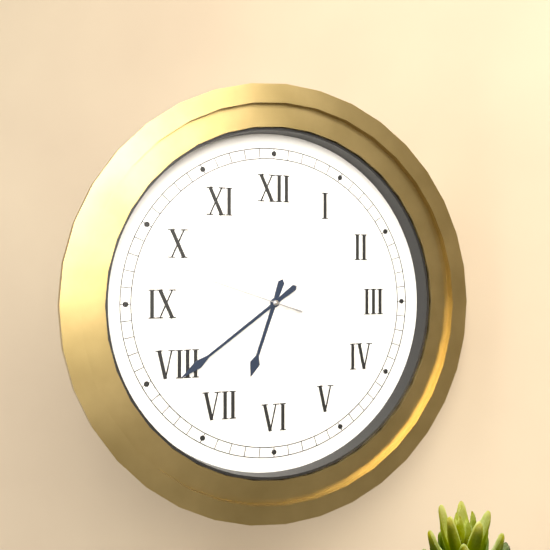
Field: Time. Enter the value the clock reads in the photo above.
6:39:48
